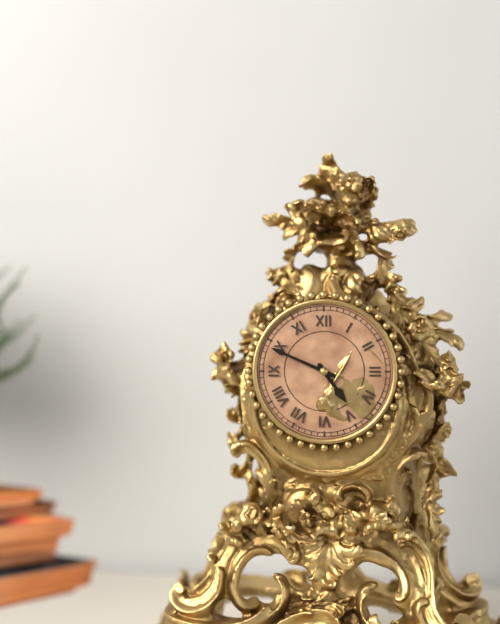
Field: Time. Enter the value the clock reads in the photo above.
4:49
